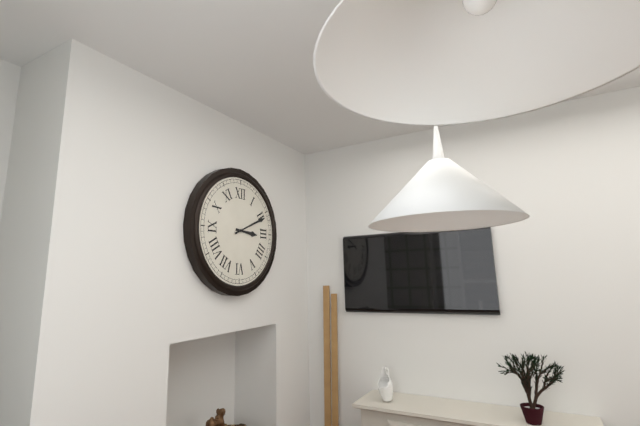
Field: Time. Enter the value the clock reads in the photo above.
3:11
